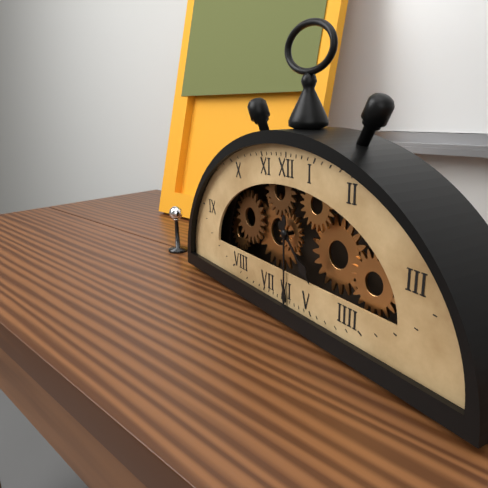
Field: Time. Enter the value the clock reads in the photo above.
4:30
